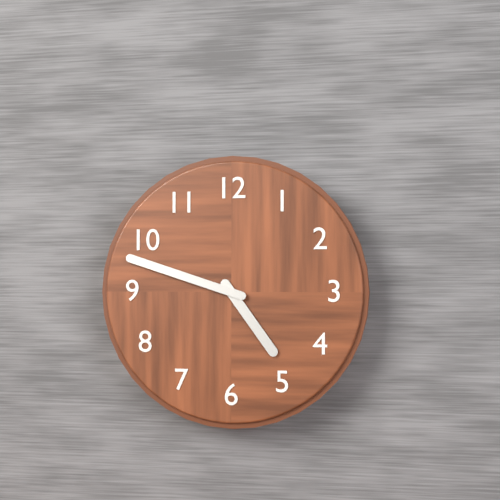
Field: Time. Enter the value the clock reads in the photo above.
4:48
